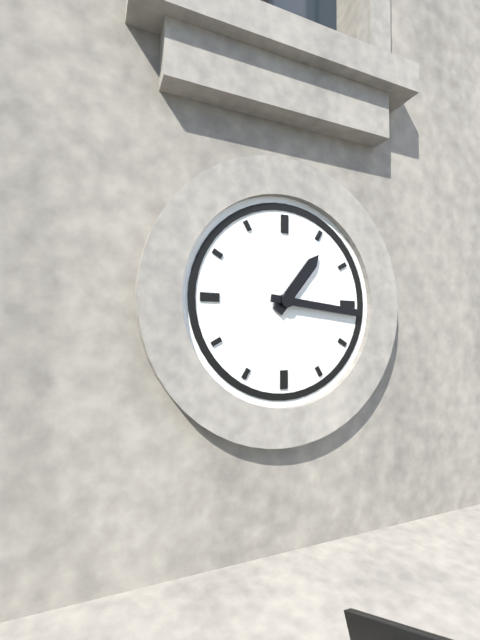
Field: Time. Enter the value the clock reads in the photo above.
1:16
